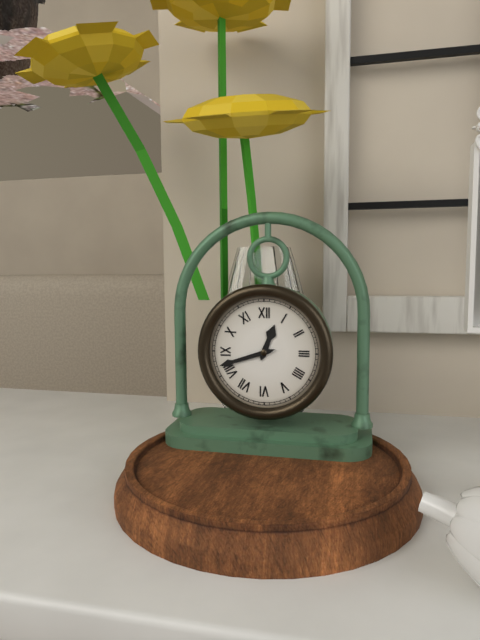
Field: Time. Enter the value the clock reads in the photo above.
12:42
